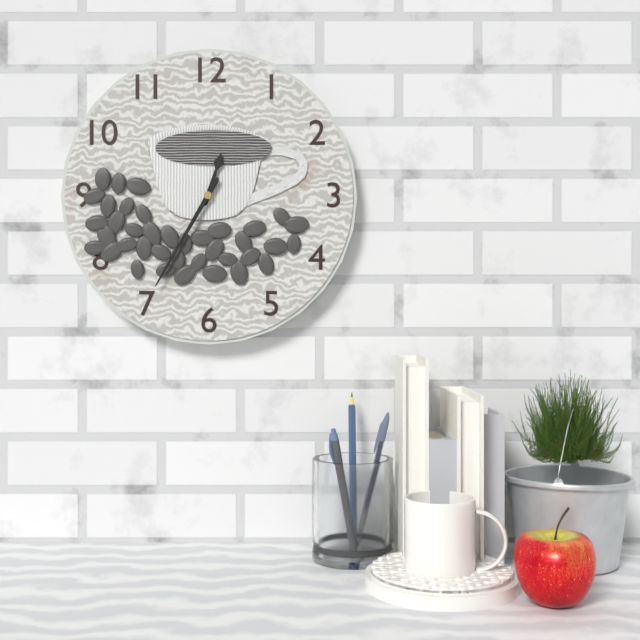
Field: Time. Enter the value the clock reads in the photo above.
12:35
